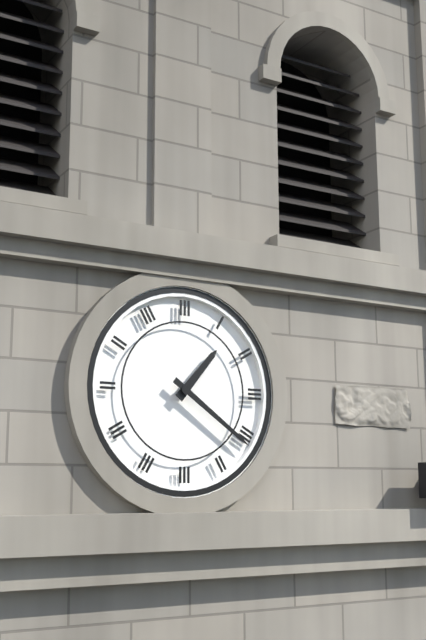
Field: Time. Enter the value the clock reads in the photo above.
1:21
